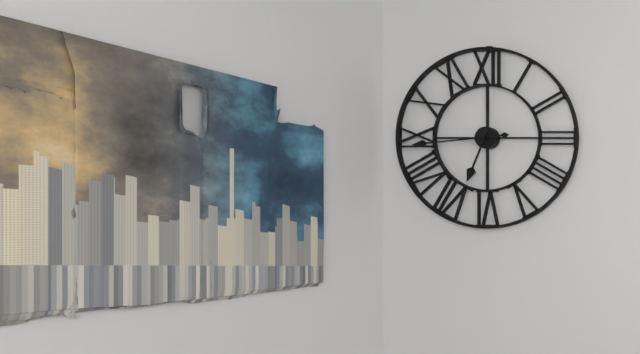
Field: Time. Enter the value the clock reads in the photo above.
6:44
